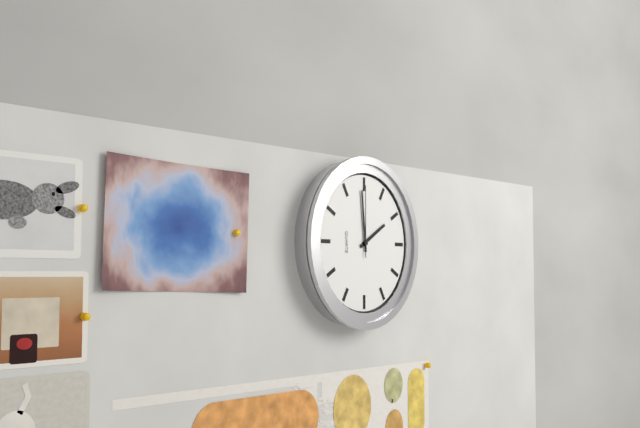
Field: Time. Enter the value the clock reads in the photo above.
1:59:00
